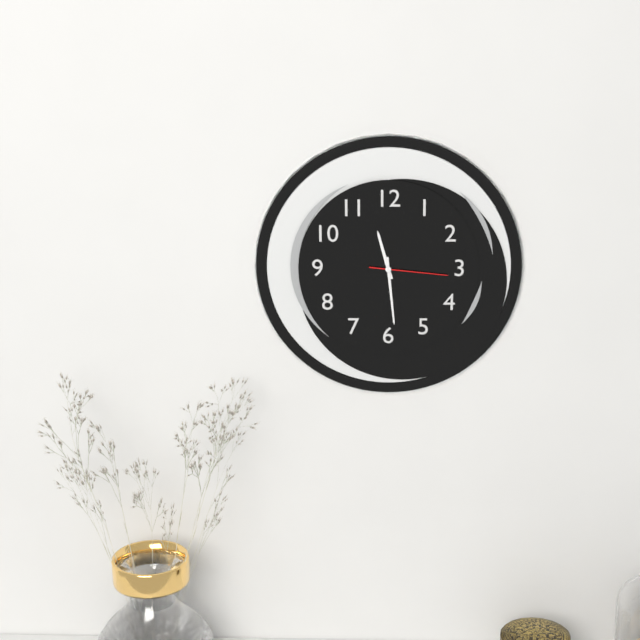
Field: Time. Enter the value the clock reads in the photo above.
11:29:16
